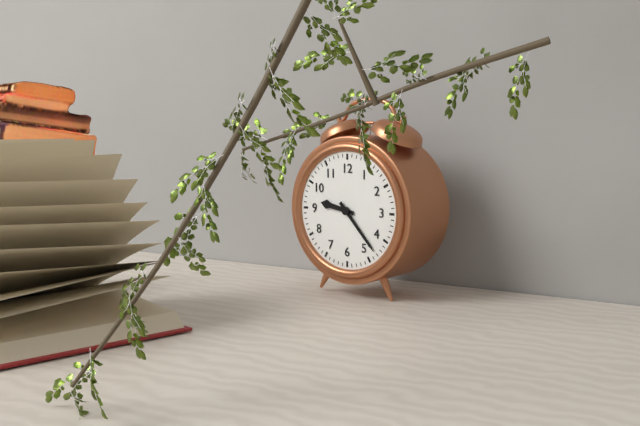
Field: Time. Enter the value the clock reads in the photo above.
9:23
